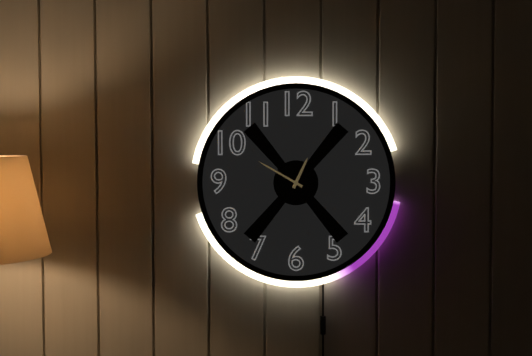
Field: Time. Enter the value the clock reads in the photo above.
12:50
